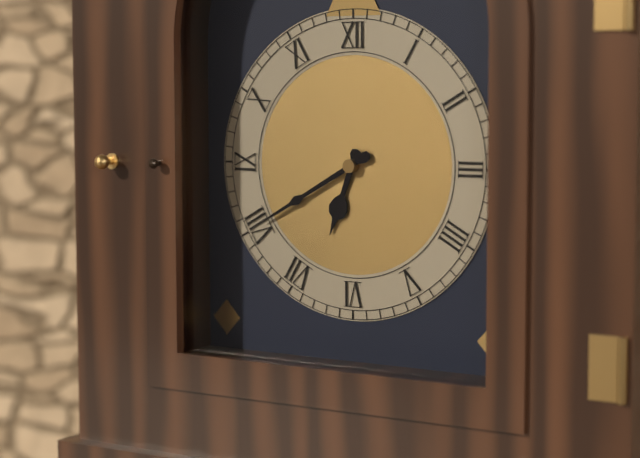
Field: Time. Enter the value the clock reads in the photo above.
6:40
